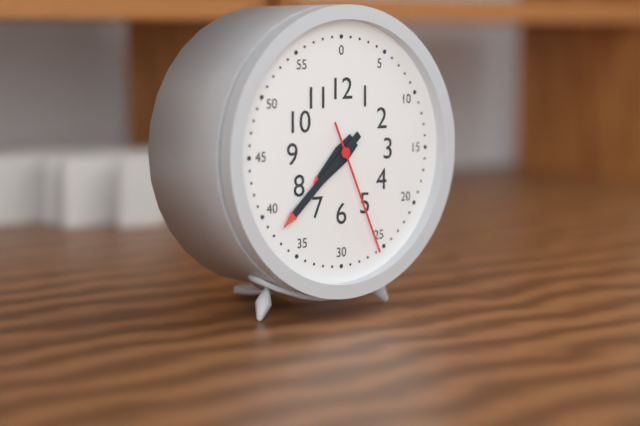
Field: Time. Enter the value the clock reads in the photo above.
7:38:26
